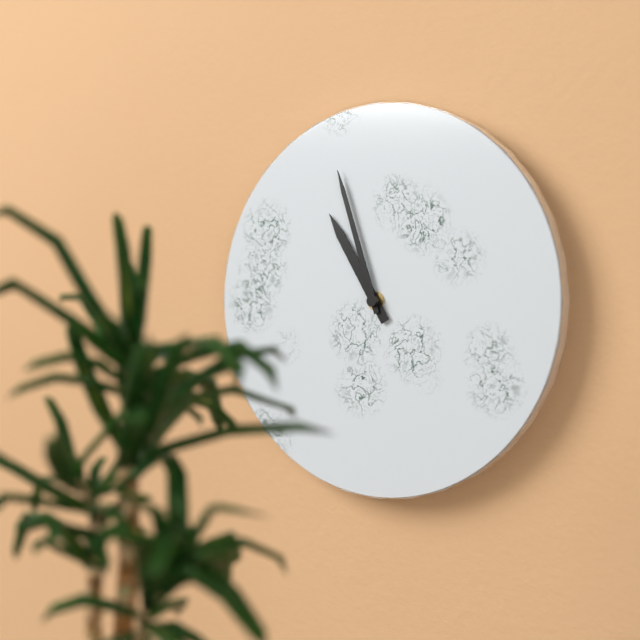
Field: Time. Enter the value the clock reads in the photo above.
10:57
